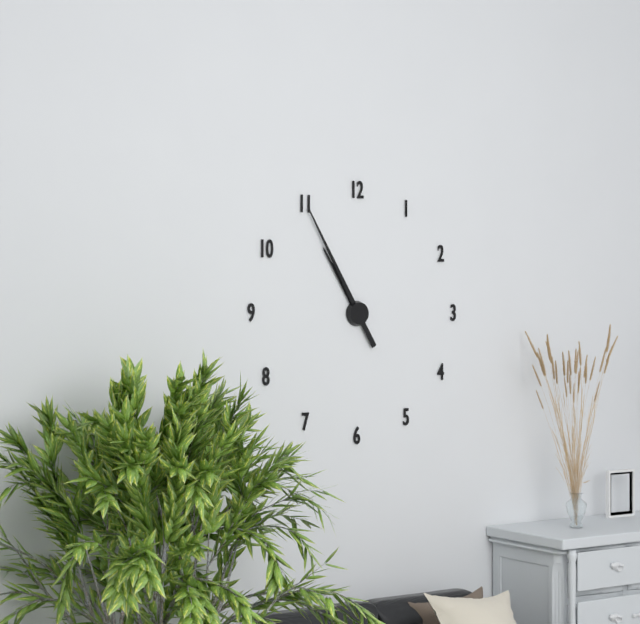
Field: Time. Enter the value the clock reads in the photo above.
10:55
